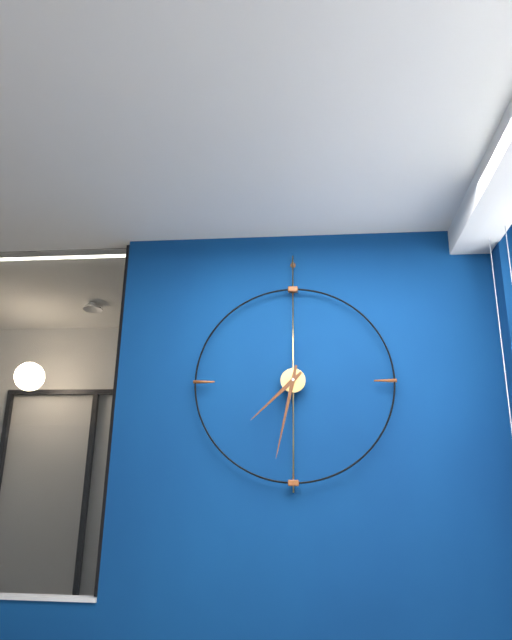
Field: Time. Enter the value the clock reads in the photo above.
7:32
